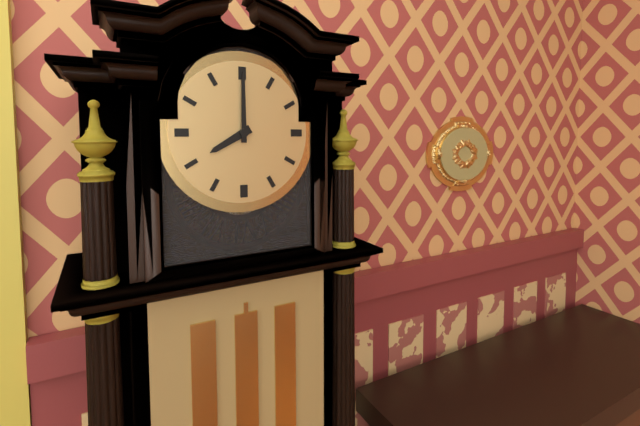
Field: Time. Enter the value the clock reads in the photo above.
8:00
